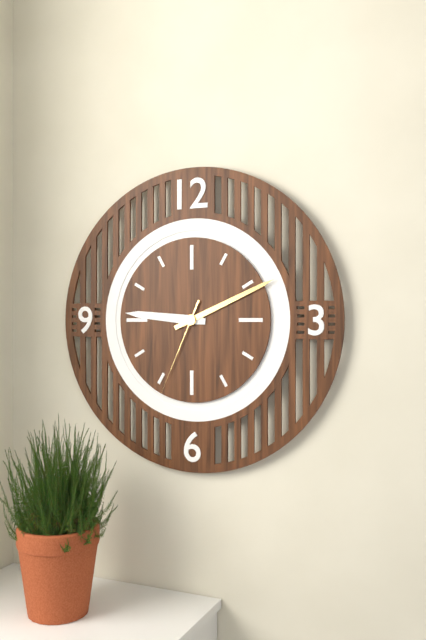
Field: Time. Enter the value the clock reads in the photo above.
9:11:34
